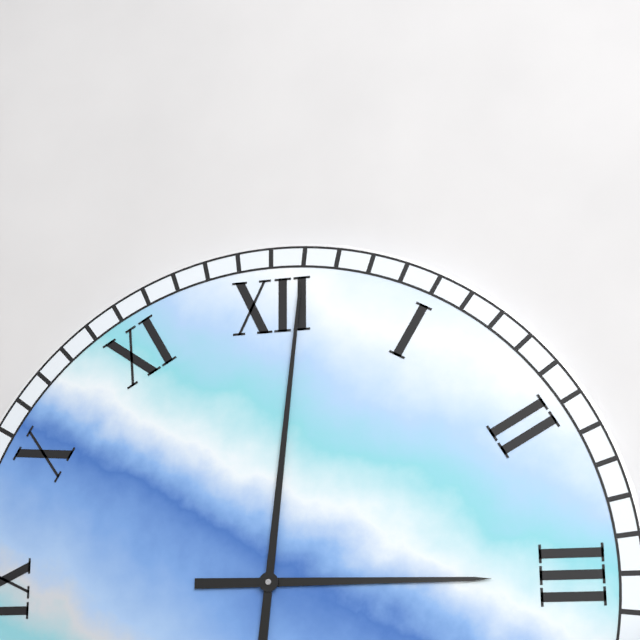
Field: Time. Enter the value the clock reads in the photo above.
3:01
